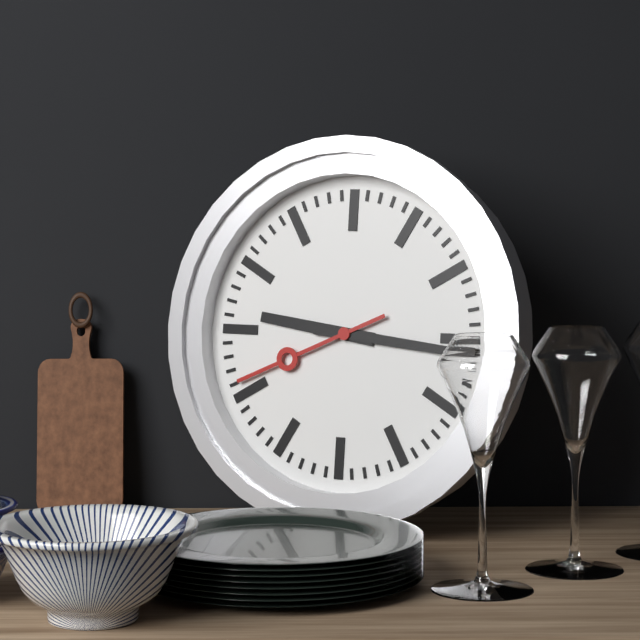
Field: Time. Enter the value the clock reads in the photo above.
9:16:41
